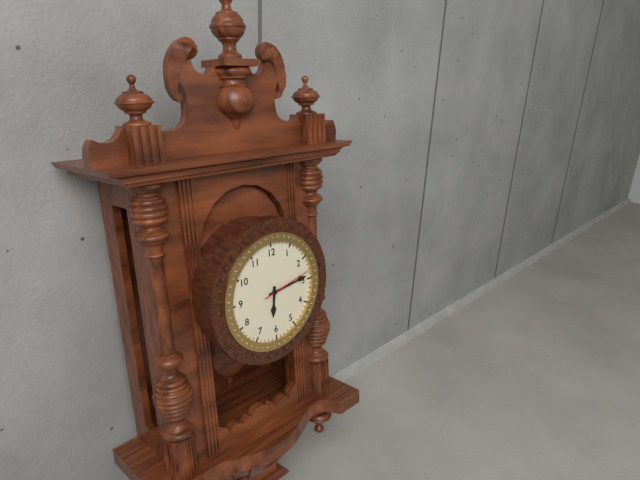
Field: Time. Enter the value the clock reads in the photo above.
6:14:13
